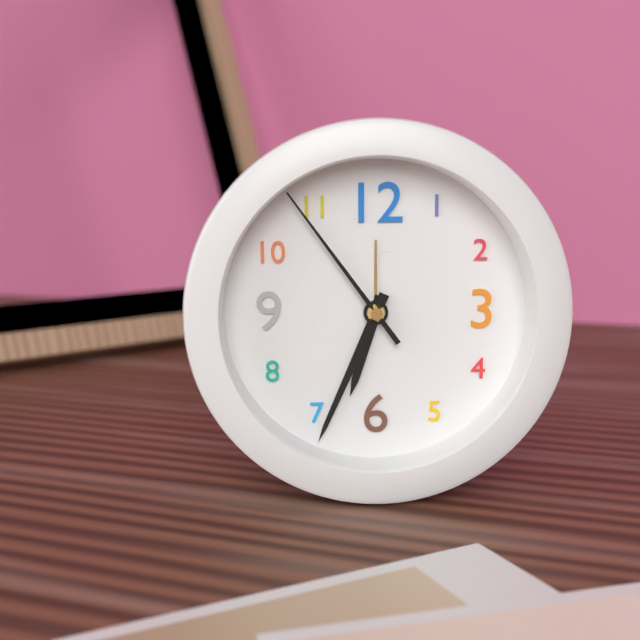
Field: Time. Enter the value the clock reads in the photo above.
6:34:54
